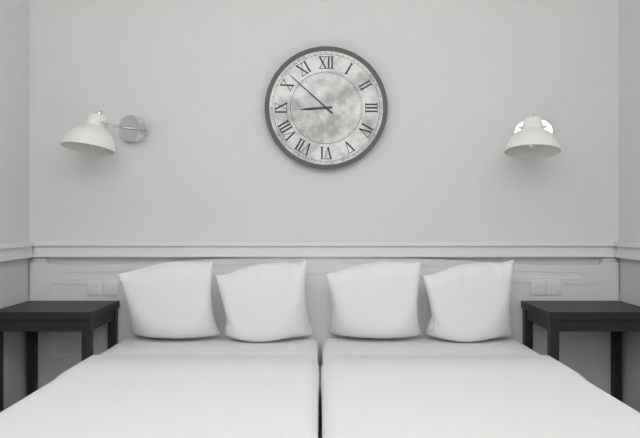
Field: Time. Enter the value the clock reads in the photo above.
8:52
